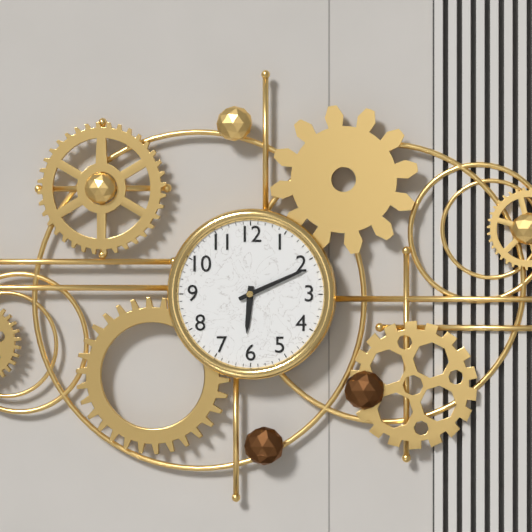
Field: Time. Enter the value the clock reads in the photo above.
6:11
